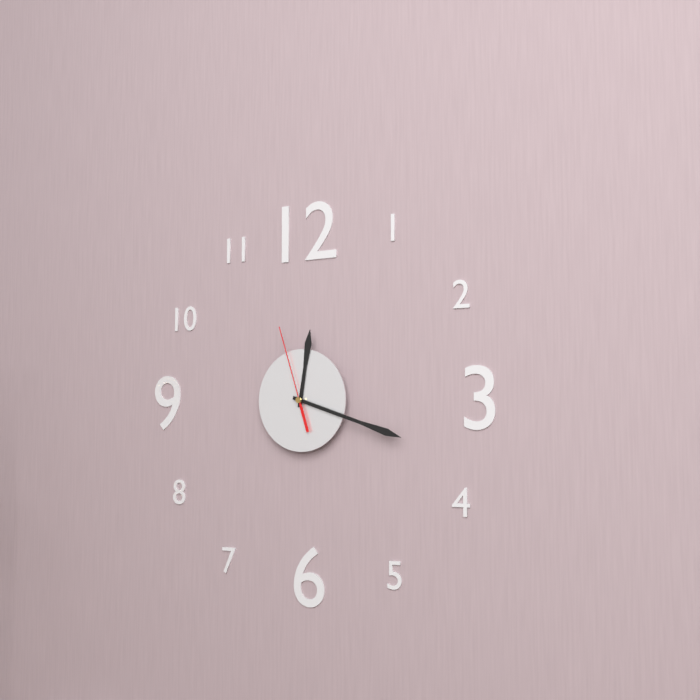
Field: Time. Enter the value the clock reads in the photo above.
12:18:57
